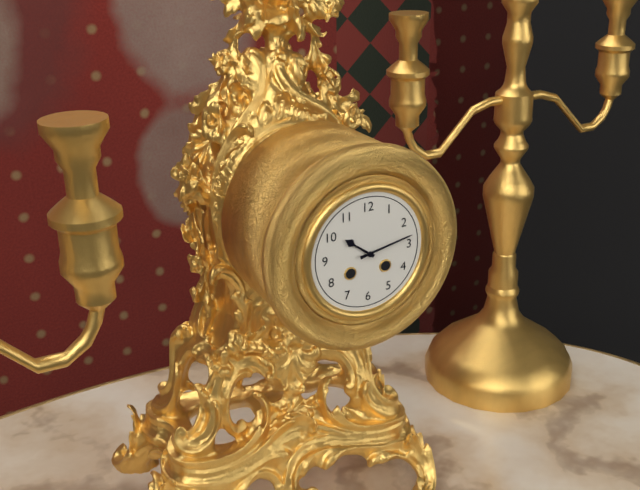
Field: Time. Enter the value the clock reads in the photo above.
10:13
